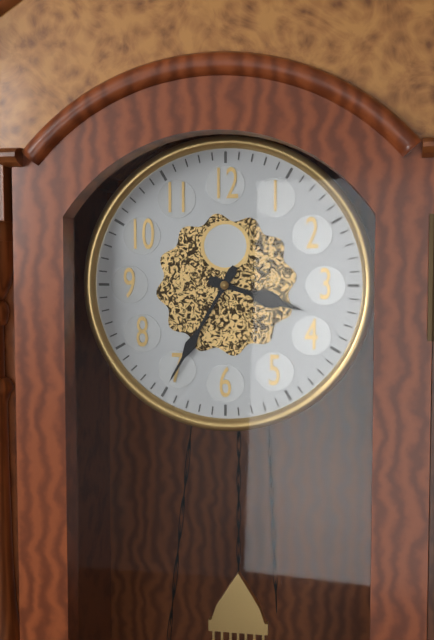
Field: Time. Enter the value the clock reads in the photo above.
3:35
